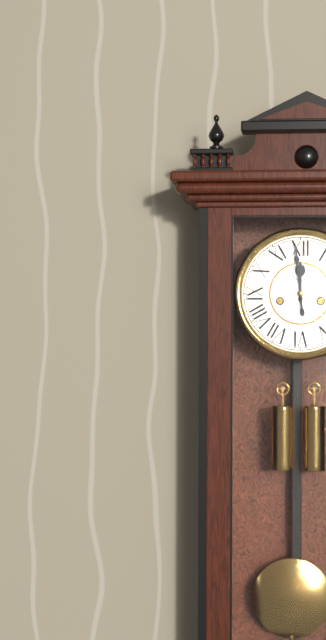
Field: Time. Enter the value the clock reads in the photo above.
11:59
